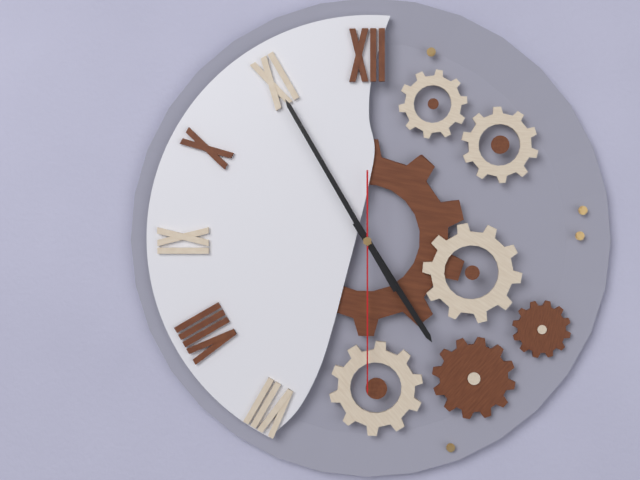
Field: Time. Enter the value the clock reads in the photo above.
4:55:30
